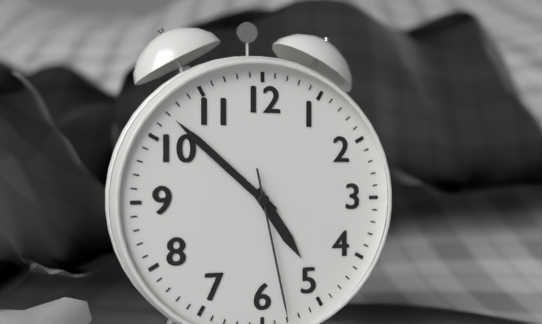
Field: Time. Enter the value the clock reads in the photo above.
4:52:28
